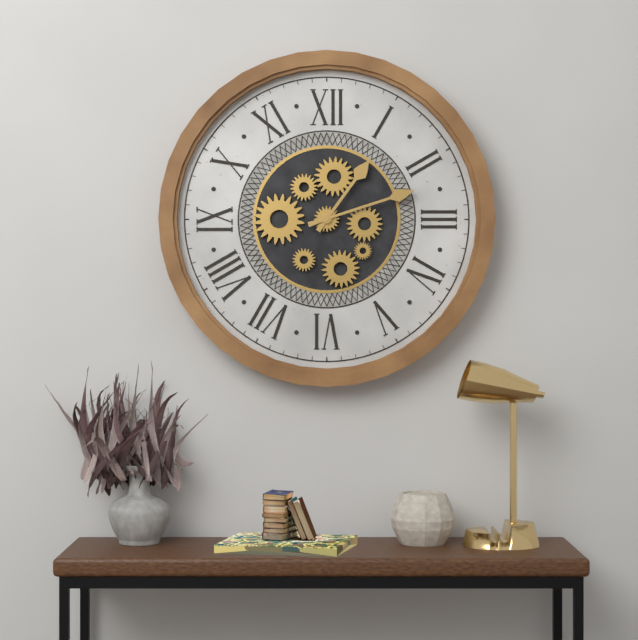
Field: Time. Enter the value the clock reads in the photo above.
1:12
